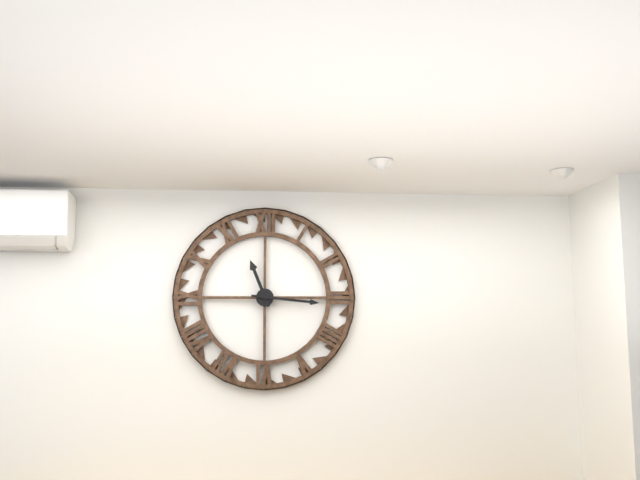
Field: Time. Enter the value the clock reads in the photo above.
11:16
